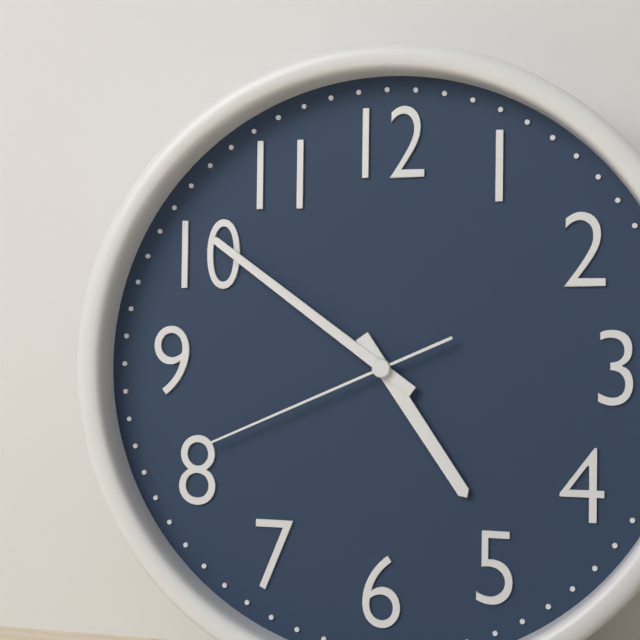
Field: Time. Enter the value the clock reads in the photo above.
4:51:41
